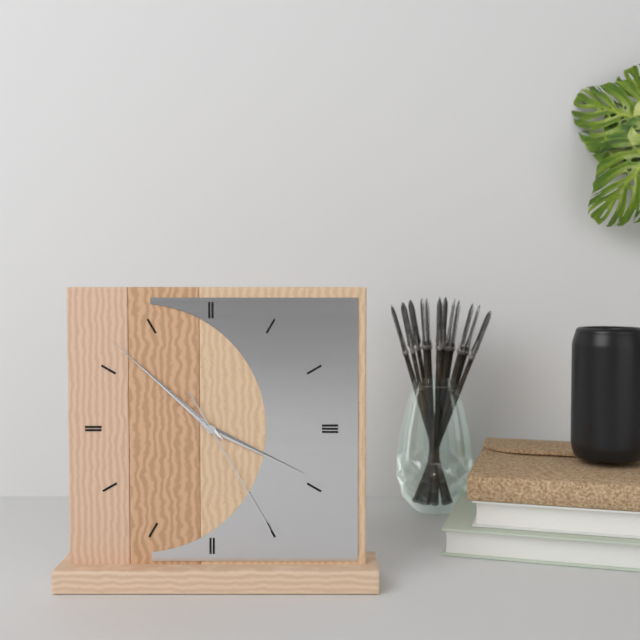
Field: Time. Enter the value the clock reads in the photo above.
3:52:25
